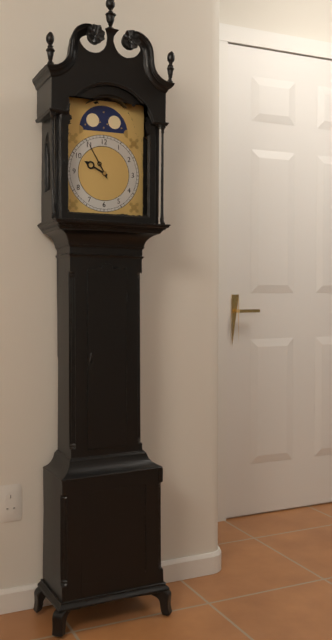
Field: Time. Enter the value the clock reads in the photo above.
9:55
